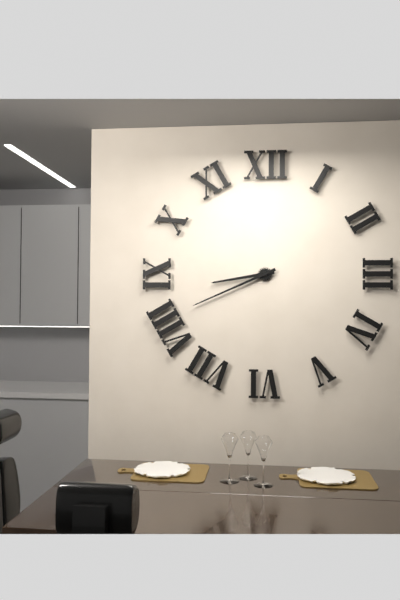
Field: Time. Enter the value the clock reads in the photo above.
8:41
